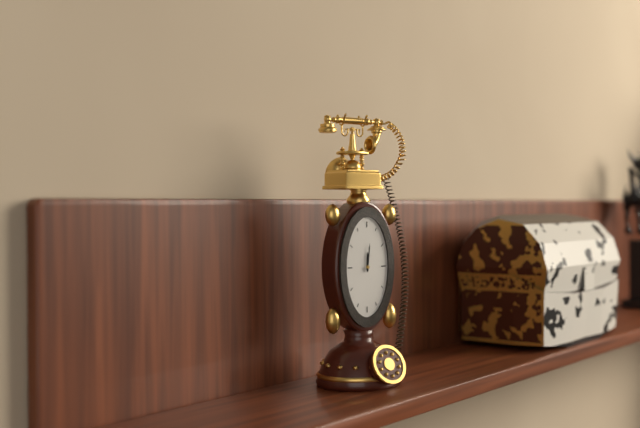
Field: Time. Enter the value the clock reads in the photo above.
12:01
